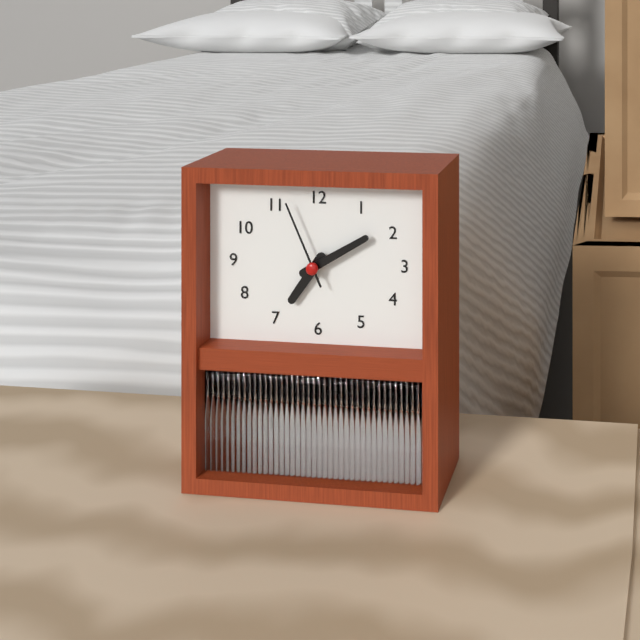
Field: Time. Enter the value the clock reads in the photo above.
7:10:56
